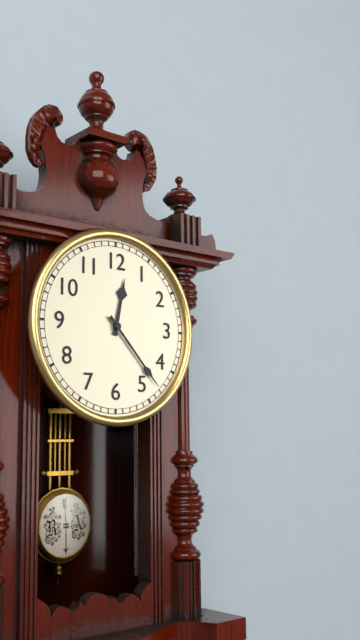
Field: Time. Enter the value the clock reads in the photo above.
12:23
